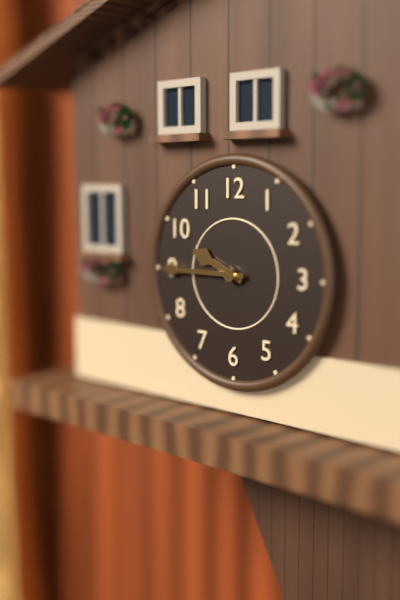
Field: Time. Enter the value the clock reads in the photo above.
9:45
